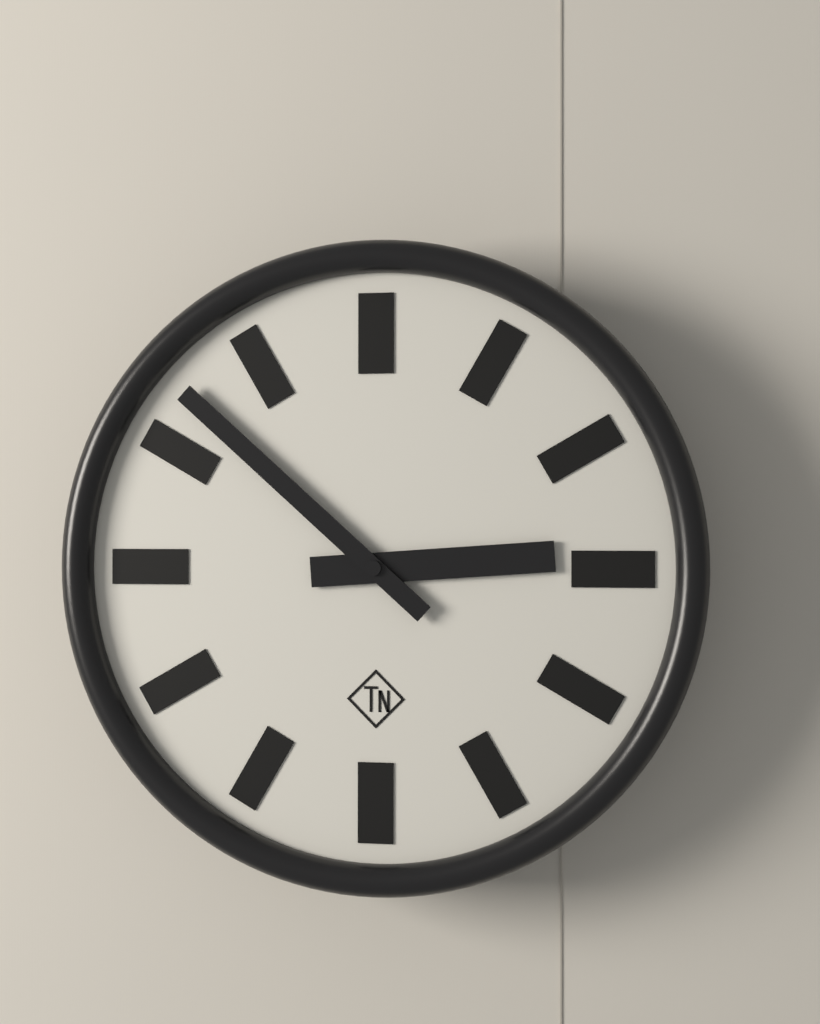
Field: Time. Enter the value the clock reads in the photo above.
2:52
